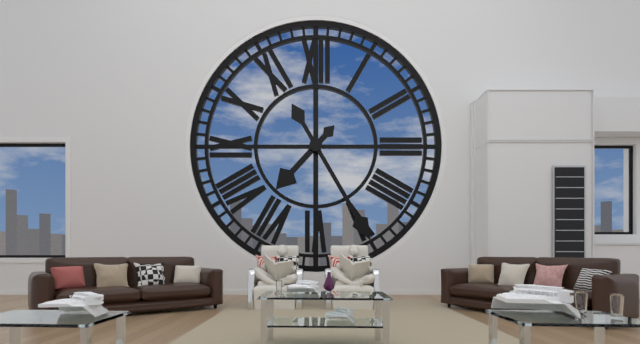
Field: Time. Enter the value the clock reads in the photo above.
7:25
